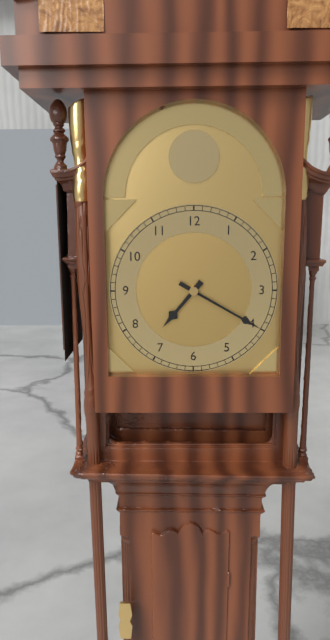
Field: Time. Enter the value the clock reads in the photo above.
7:20
